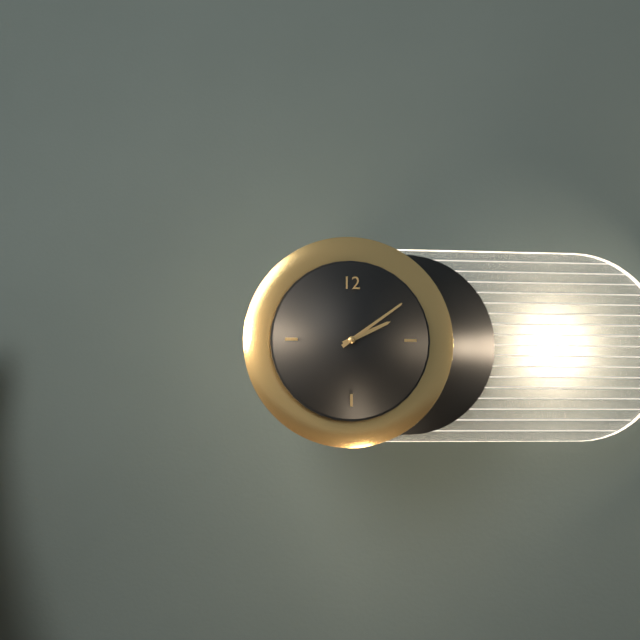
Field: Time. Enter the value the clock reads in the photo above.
2:09
